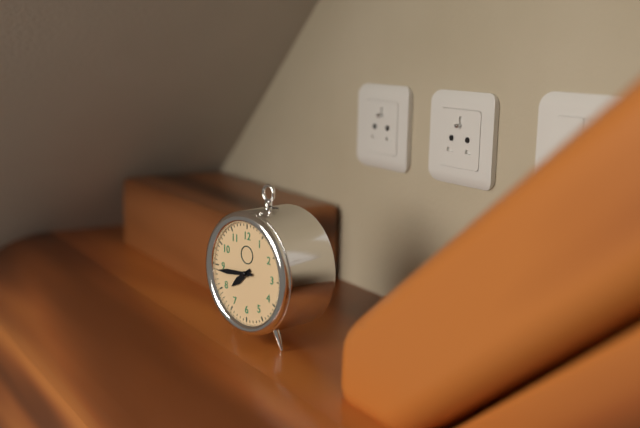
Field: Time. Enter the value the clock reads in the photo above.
7:44
